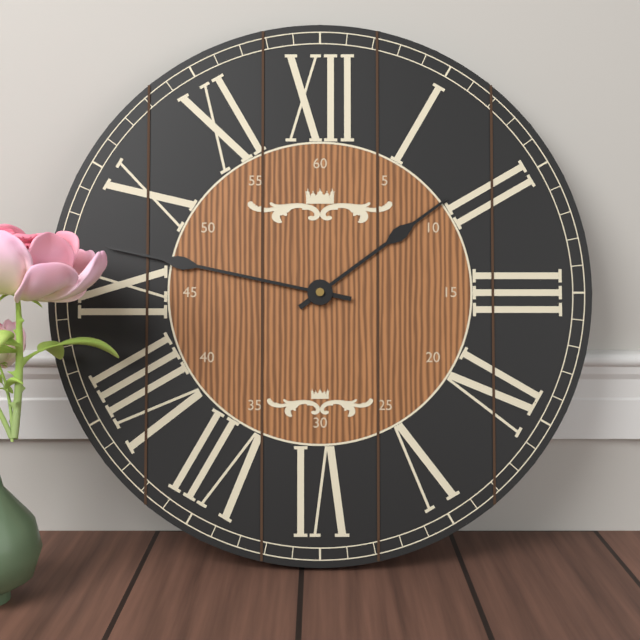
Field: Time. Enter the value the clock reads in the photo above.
1:47
